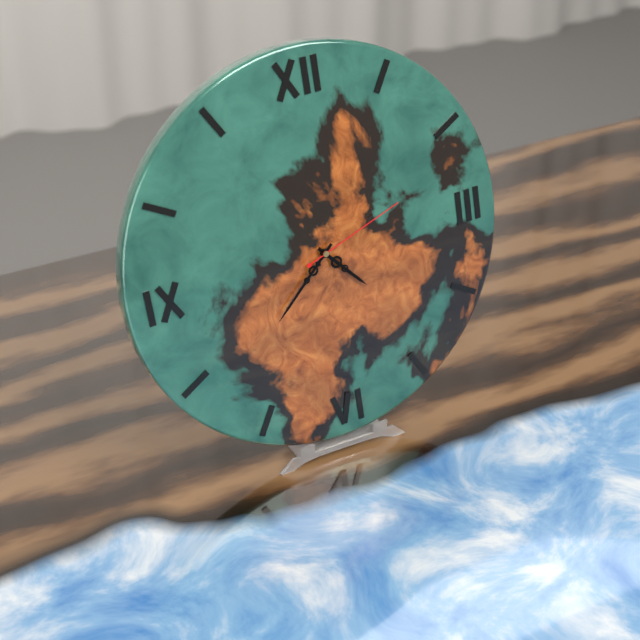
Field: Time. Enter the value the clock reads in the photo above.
4:38:12
